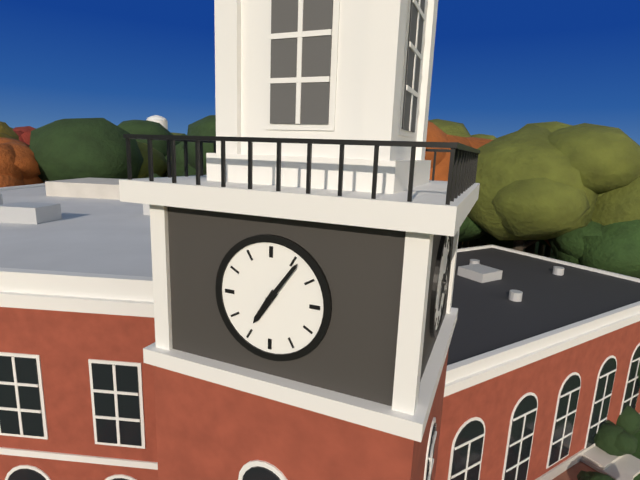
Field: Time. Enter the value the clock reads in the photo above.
7:06
